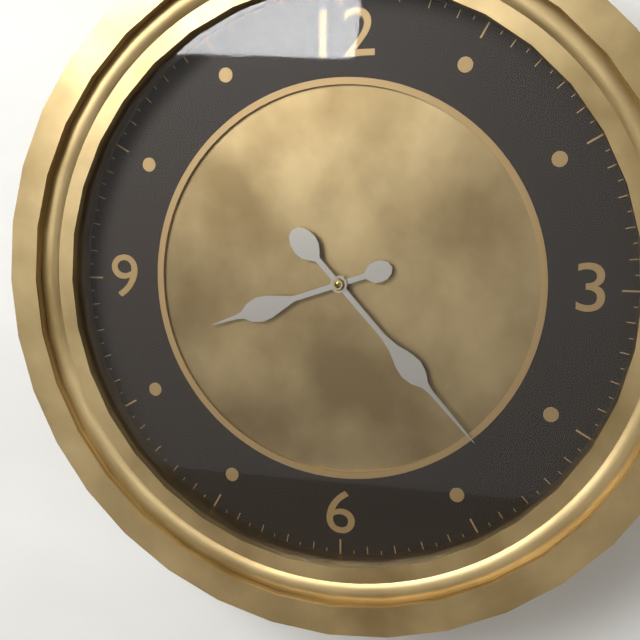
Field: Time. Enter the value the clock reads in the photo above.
8:23
